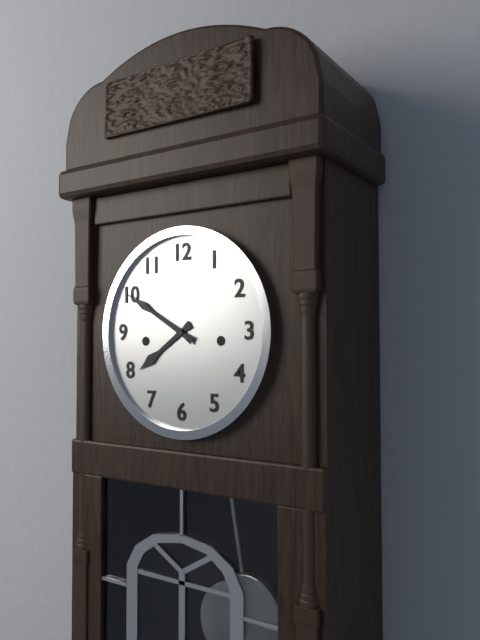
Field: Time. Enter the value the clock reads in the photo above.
7:50
